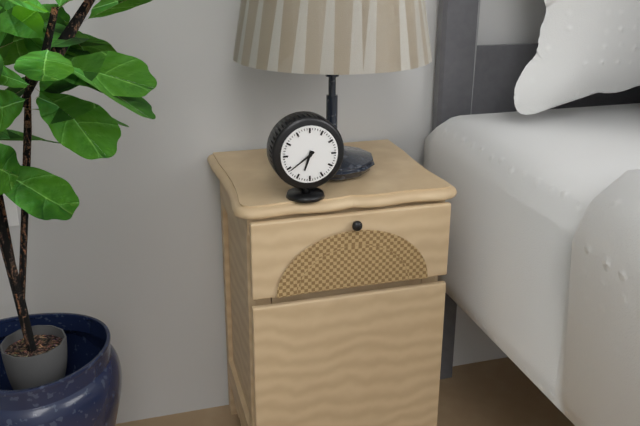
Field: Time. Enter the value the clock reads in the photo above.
6:39
